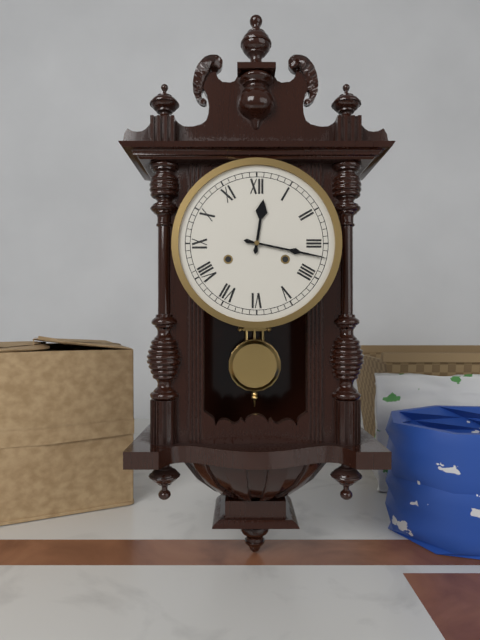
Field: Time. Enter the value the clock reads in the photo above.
12:17
